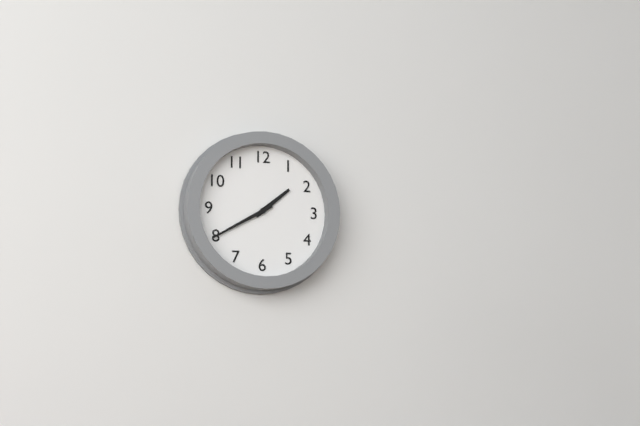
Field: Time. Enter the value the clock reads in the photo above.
1:40
